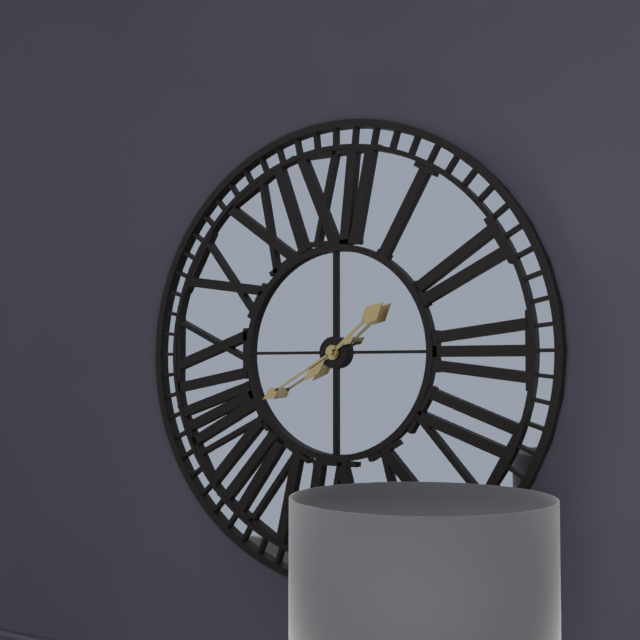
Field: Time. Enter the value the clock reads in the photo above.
1:40
